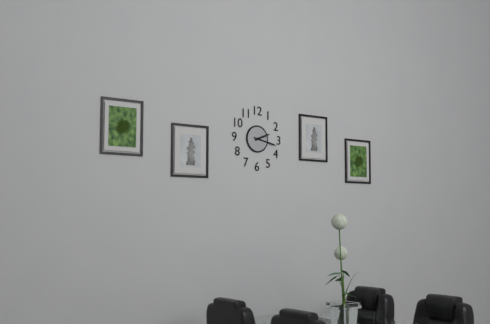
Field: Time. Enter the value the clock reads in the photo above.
2:17
